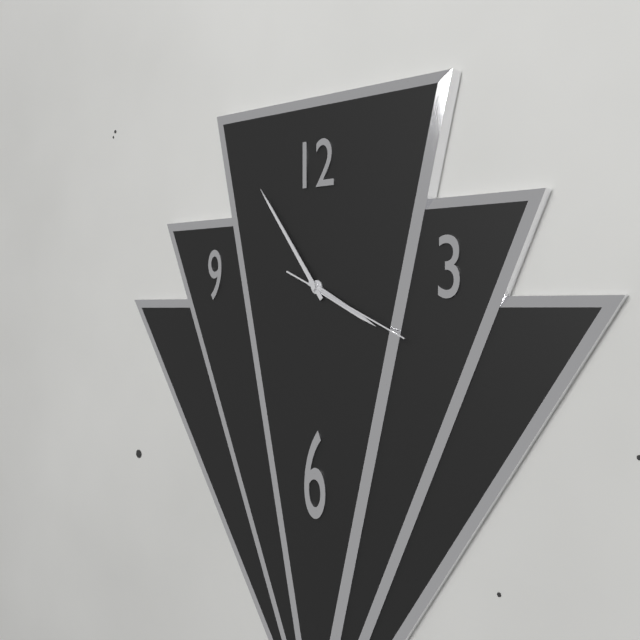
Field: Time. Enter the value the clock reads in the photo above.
3:54:19
